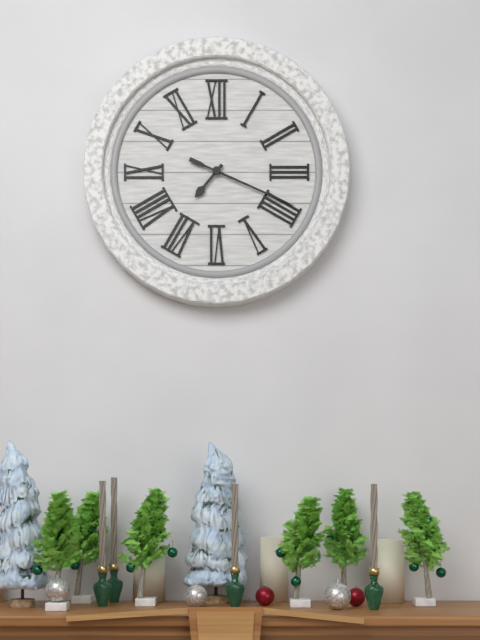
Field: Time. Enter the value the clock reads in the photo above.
7:19
